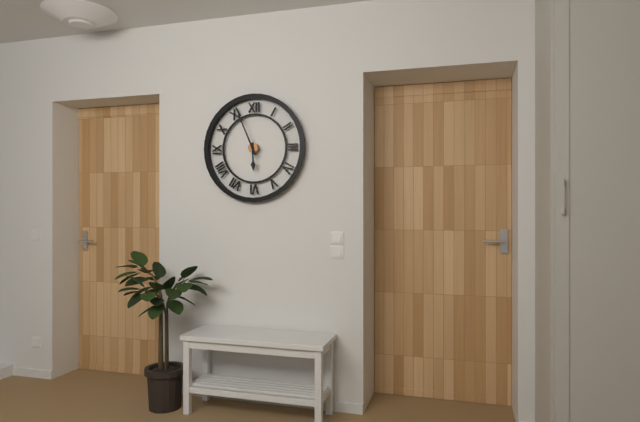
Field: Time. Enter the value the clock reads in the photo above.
5:56
